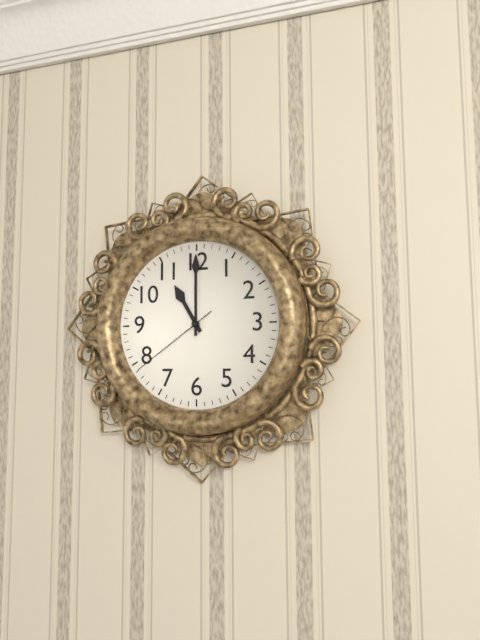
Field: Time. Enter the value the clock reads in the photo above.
11:00:39
